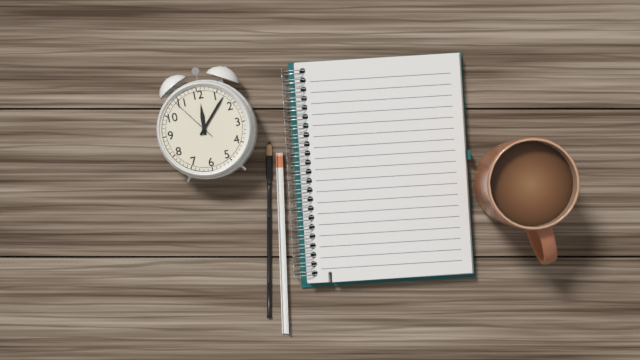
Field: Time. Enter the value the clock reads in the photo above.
12:07
